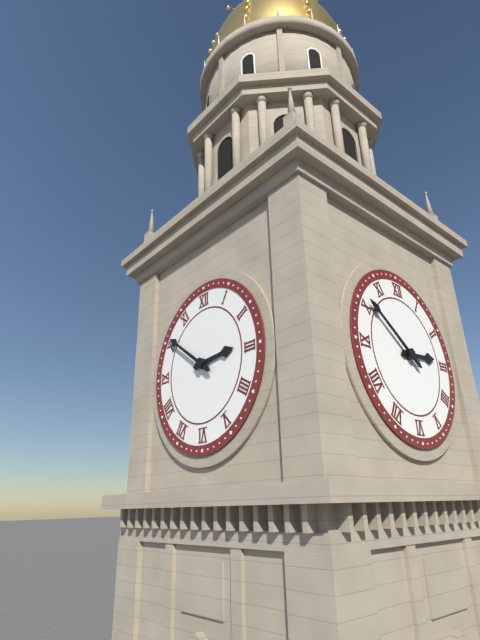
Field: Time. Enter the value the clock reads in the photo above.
2:51
